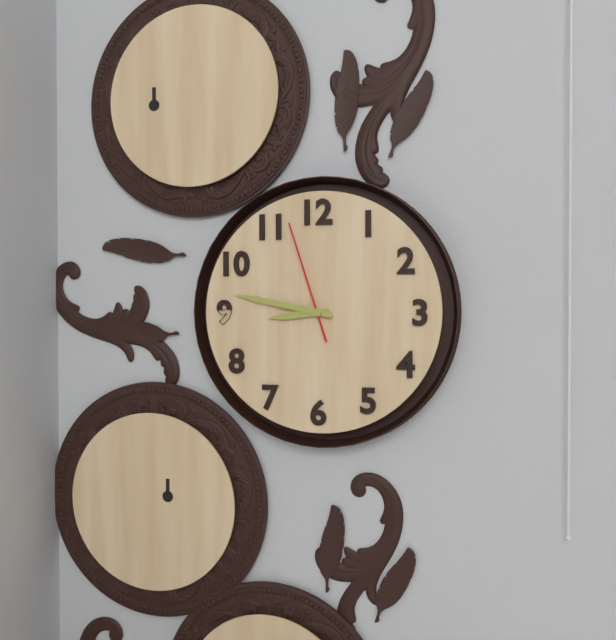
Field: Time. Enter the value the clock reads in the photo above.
8:47:57
